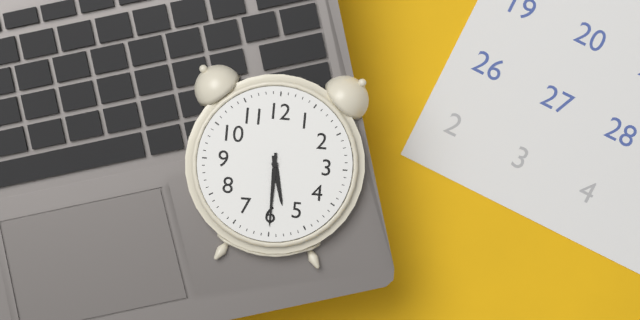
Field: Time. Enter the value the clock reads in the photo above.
5:30
